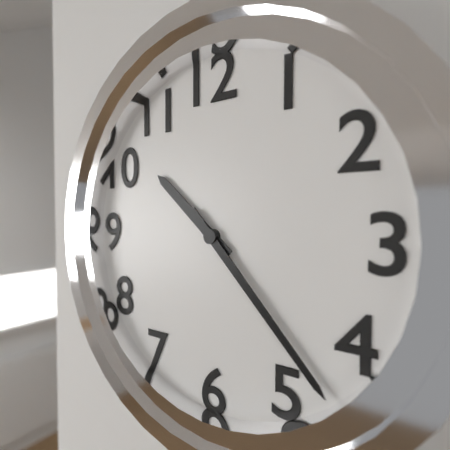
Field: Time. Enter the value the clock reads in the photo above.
10:23
